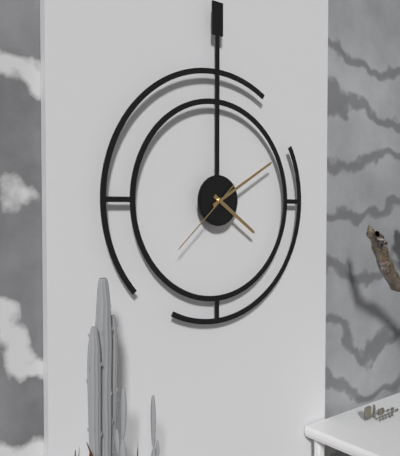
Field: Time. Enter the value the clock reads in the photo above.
4:10:38
